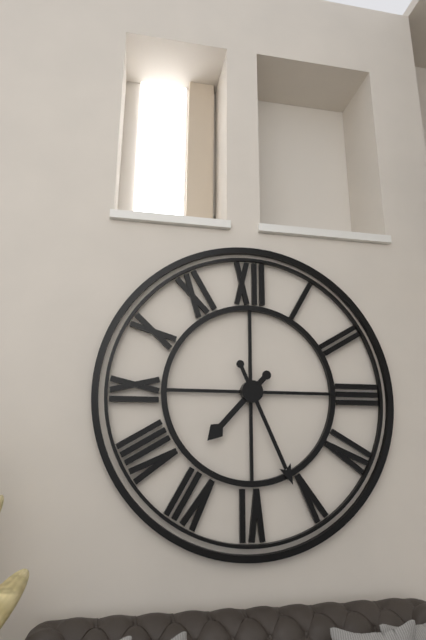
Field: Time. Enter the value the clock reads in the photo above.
7:26
